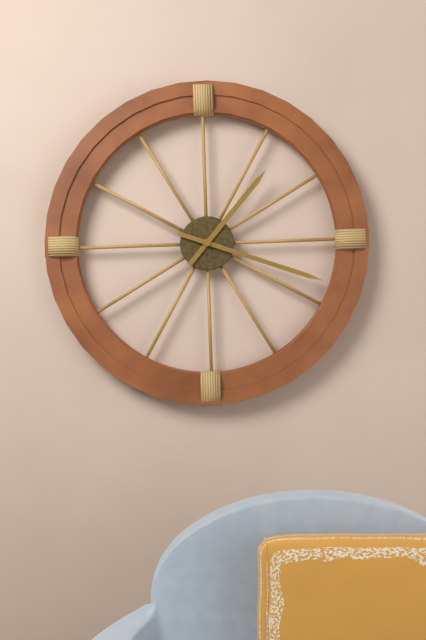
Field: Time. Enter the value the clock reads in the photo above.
1:18
